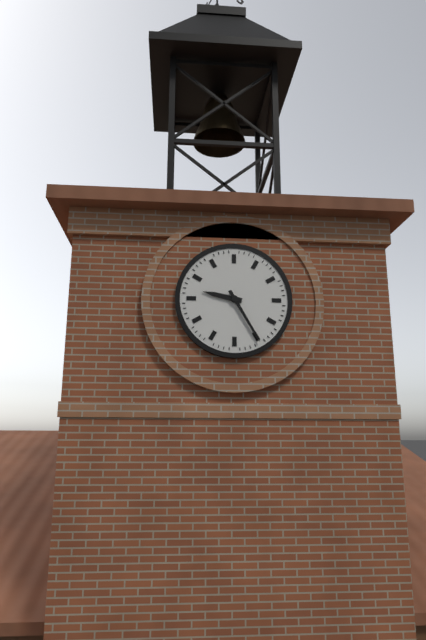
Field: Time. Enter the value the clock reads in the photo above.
9:25
